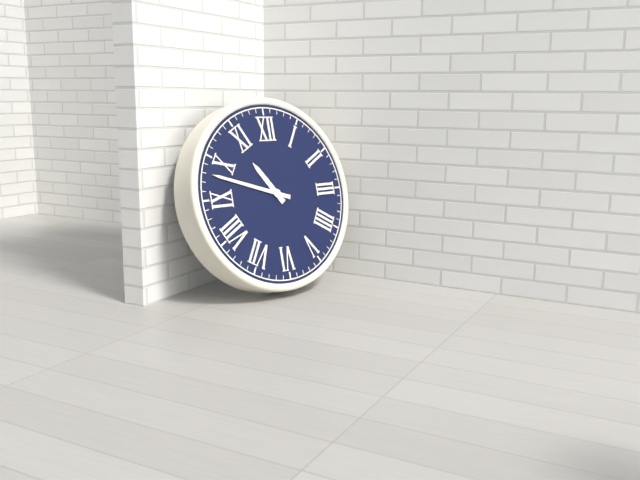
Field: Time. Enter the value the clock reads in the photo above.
10:48
